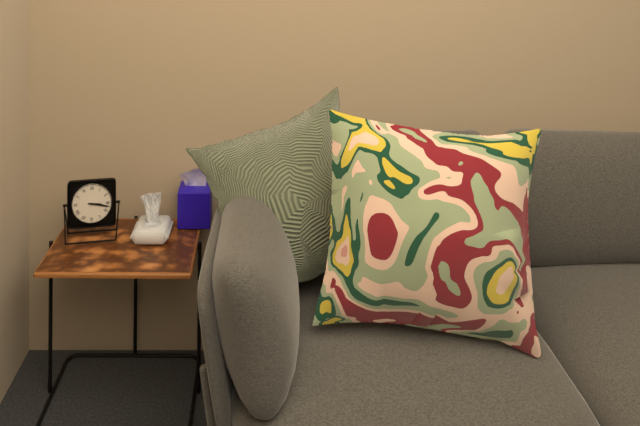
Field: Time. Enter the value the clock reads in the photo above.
3:17
